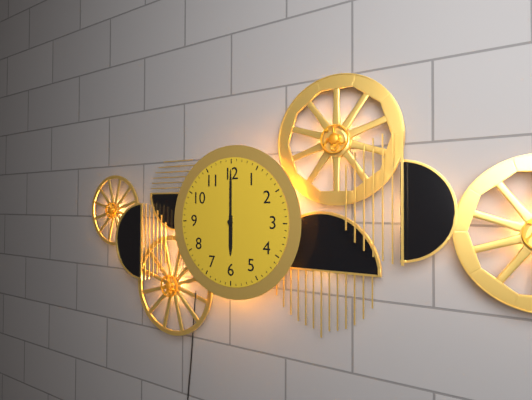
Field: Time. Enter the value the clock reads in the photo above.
6:00
